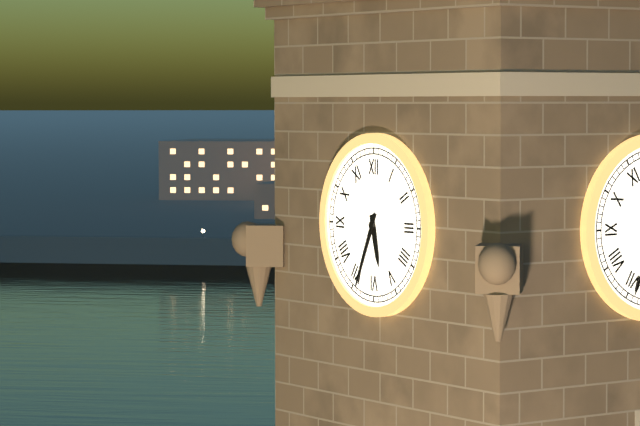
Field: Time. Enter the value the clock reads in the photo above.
5:34
